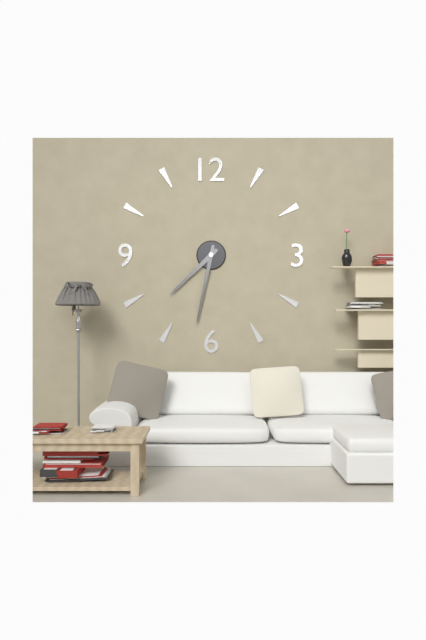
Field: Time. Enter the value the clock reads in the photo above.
7:32
